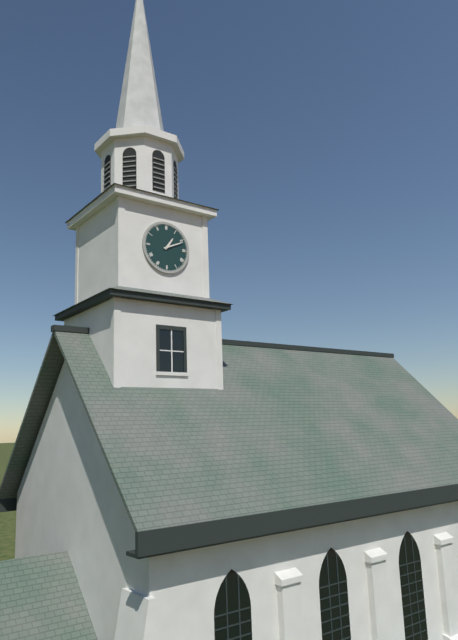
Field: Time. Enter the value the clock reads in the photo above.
1:11
